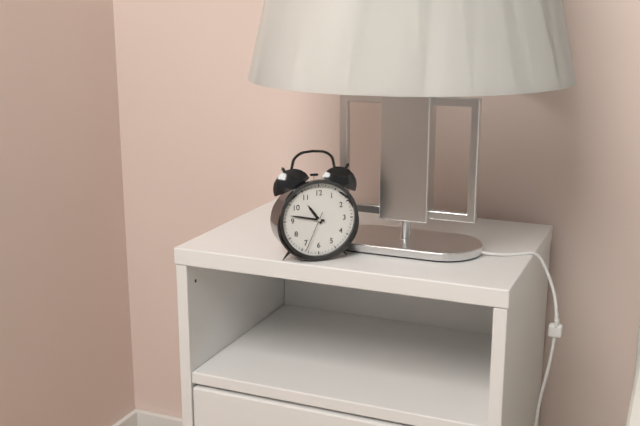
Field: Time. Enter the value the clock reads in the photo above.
10:47
